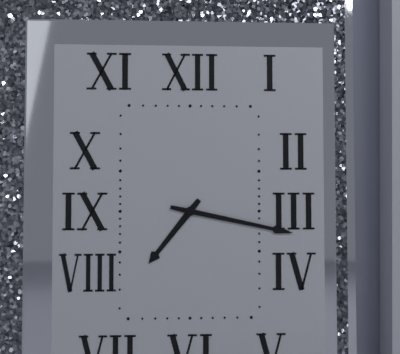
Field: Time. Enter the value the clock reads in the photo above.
7:17
